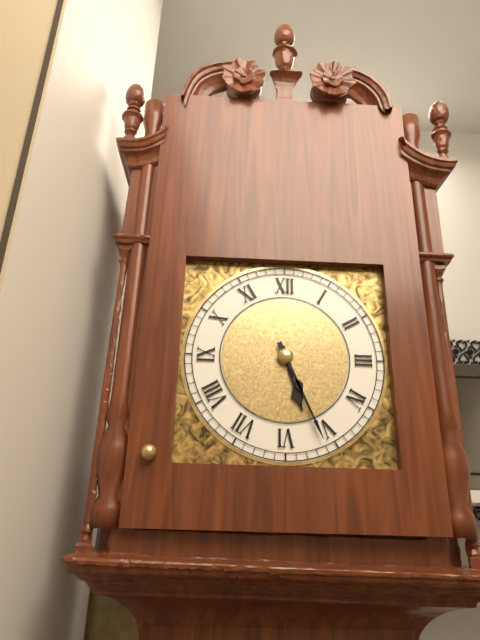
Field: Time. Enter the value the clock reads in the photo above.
5:26
